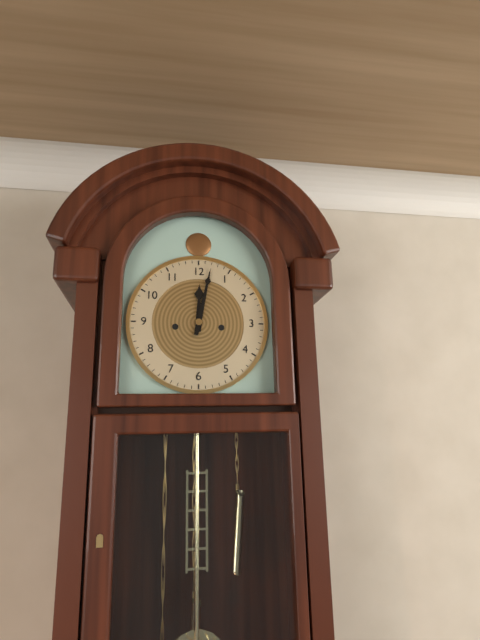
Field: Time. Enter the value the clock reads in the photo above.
12:02
